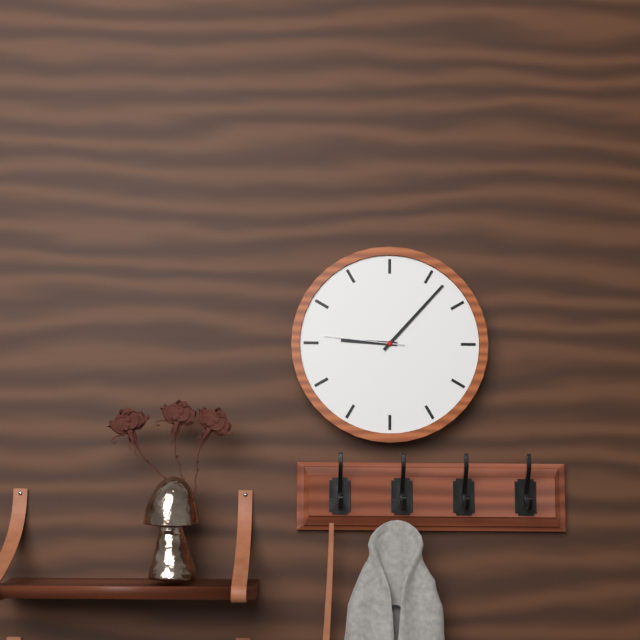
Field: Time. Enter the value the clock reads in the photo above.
9:07:46
